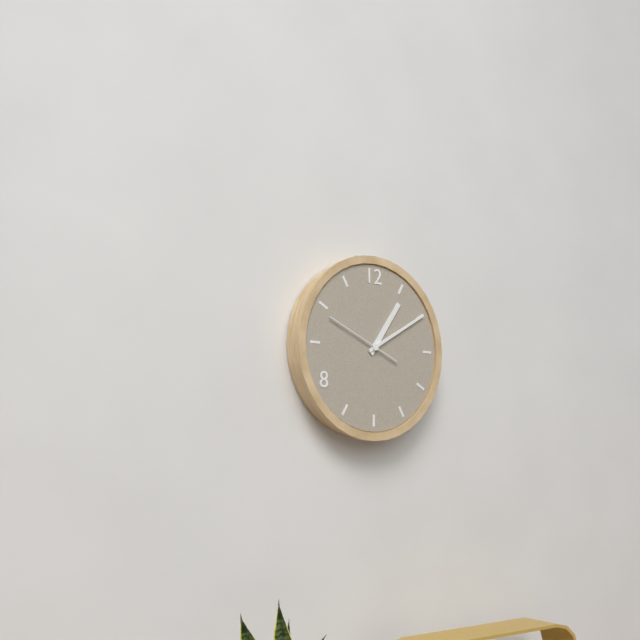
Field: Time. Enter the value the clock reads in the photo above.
1:10:49
